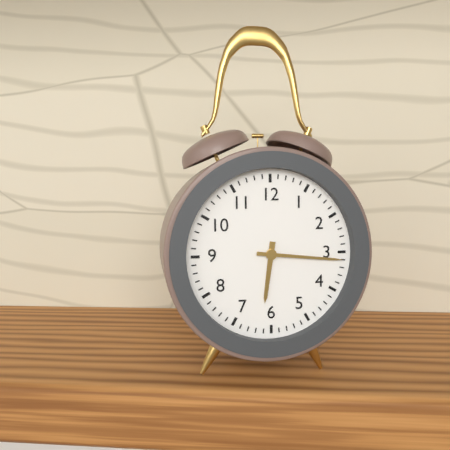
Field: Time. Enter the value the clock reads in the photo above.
6:16
